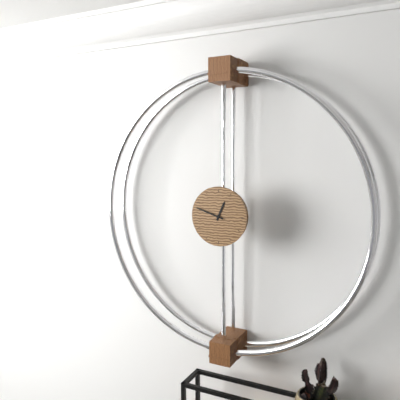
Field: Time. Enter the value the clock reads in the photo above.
12:48
